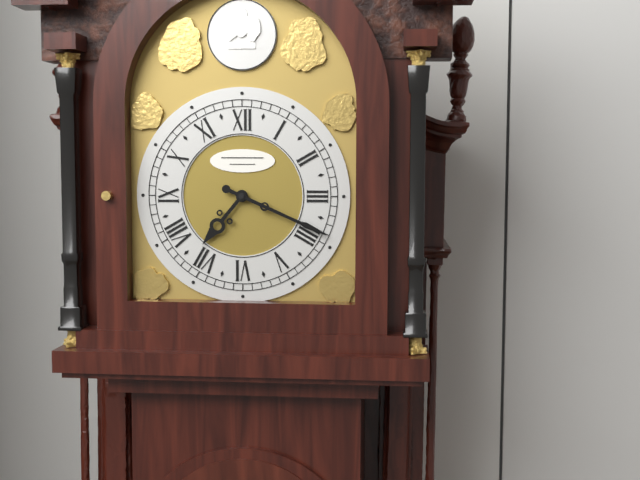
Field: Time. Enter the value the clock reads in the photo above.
7:19
